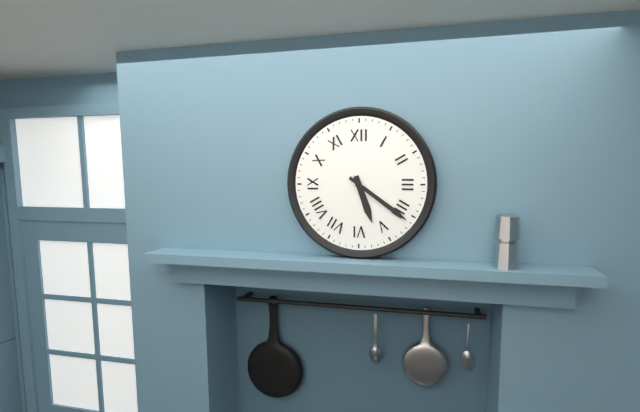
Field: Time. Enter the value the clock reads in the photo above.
5:21
